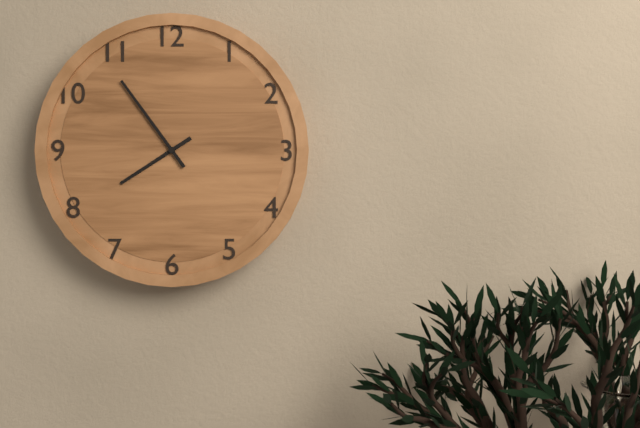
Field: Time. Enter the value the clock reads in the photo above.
7:54
